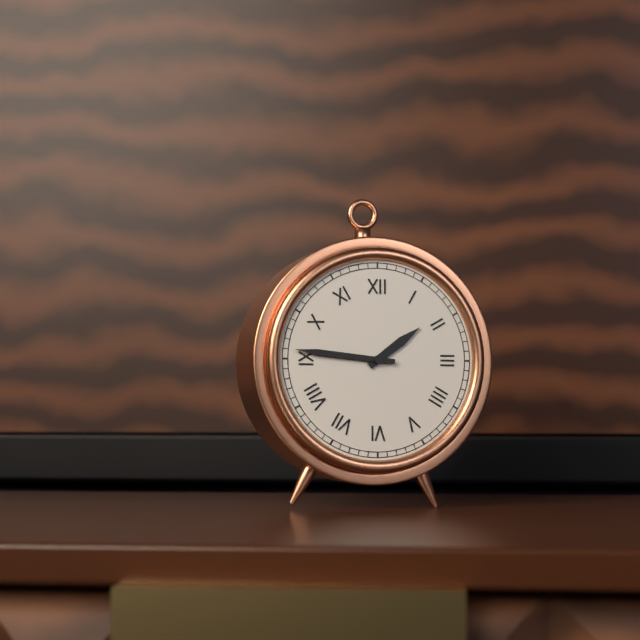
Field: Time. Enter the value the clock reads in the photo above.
1:46
